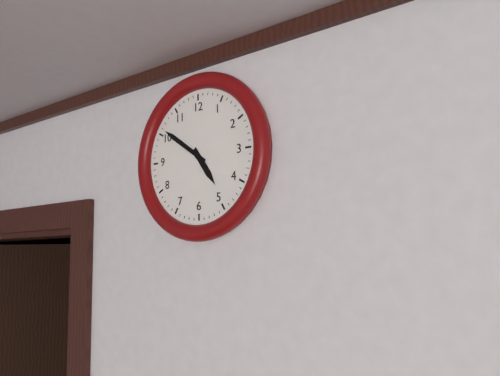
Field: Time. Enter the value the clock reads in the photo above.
4:51
